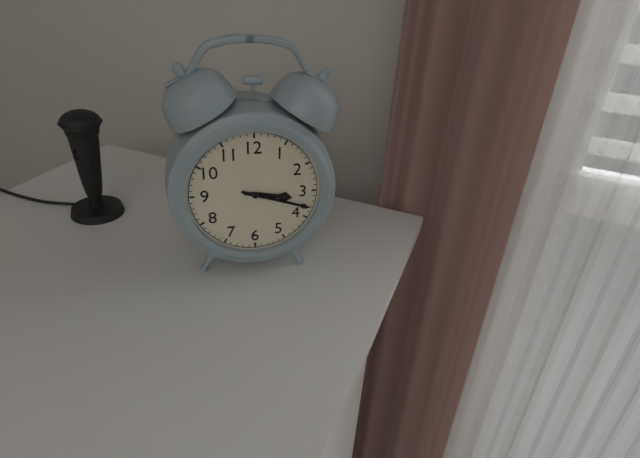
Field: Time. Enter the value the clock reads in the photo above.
3:18
